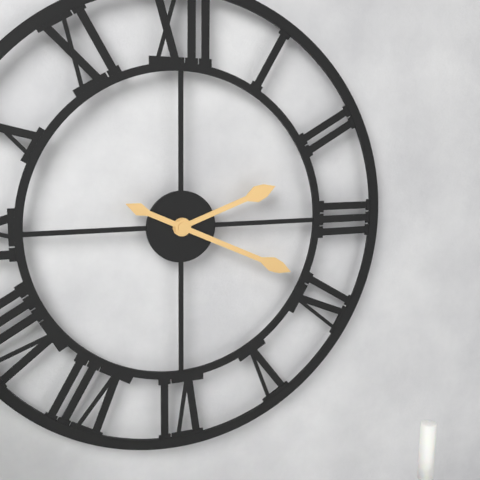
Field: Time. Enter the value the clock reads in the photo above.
2:19
